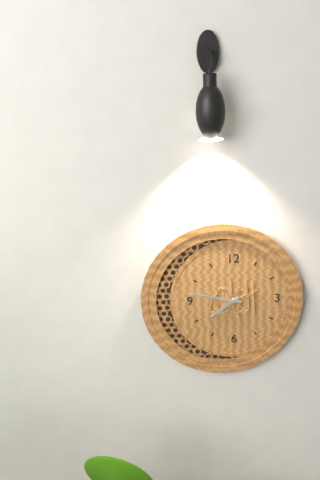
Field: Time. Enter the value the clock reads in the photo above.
7:47
